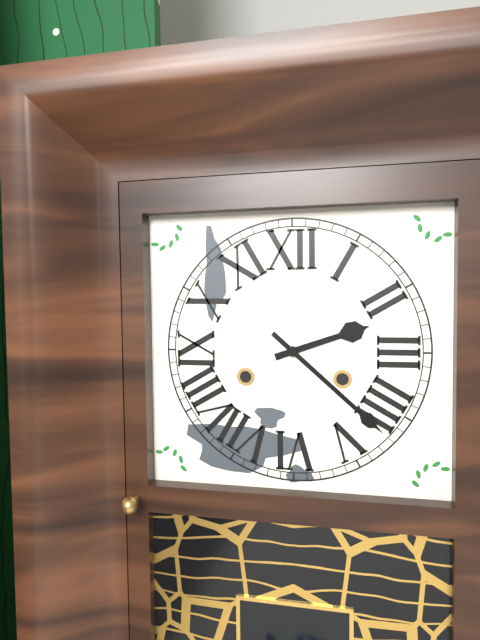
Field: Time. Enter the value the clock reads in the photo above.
2:22
